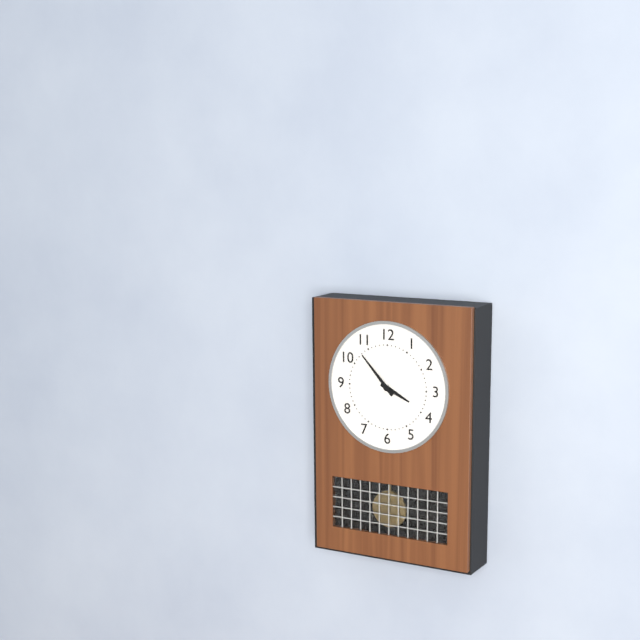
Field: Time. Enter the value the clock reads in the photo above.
3:53
